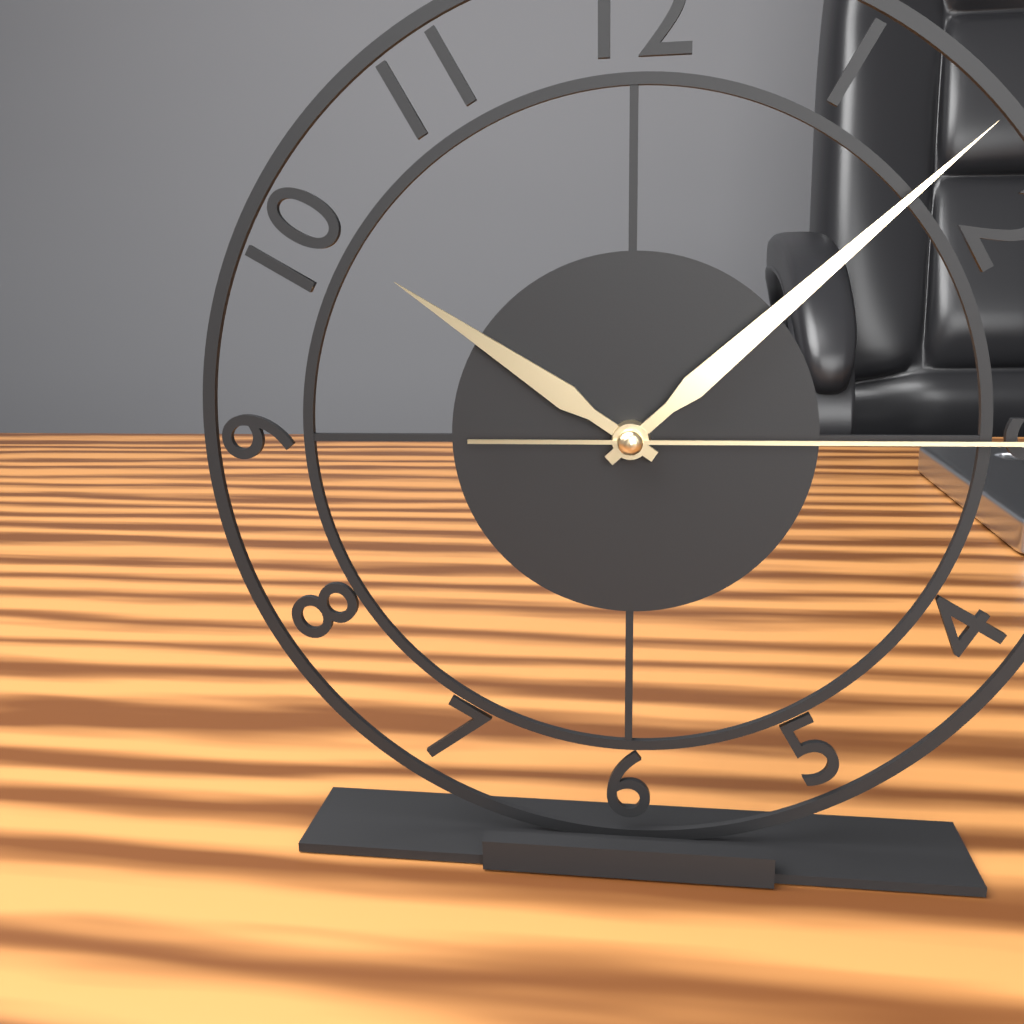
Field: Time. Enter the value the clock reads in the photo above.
10:08
